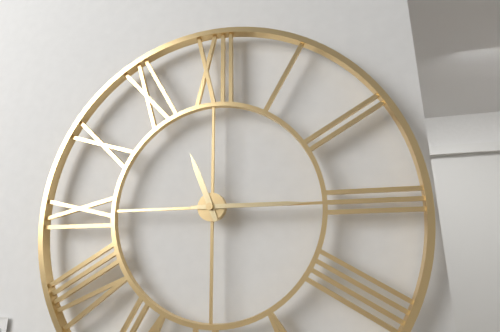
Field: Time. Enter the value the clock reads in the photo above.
11:15
